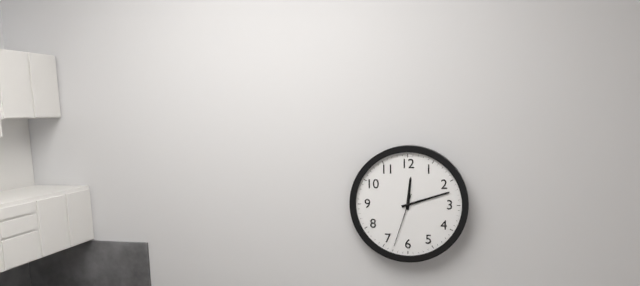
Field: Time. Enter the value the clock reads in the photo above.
12:12:33
